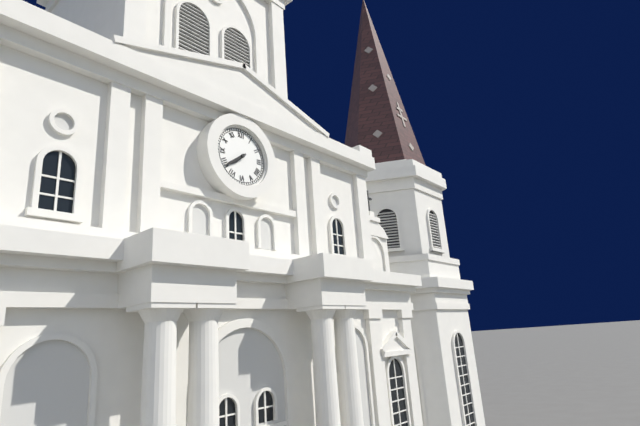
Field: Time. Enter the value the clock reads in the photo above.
7:39
